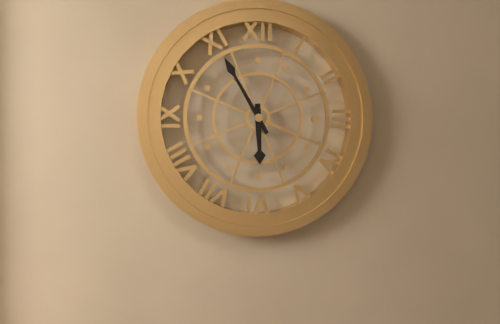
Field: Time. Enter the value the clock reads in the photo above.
5:55
